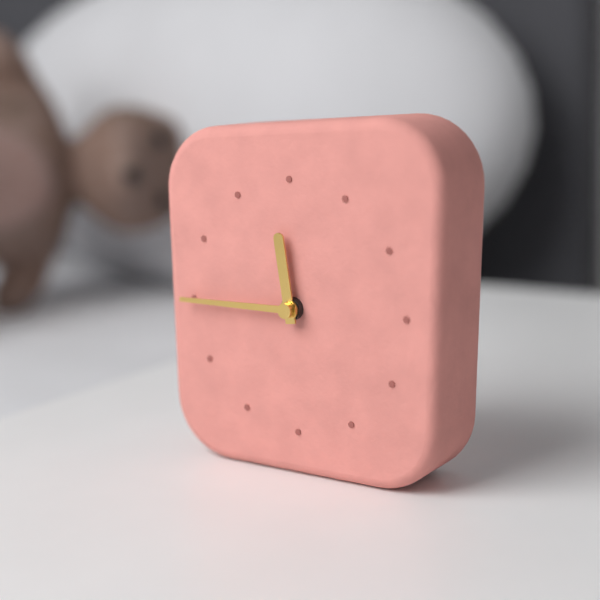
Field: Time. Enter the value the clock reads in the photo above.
11:45
